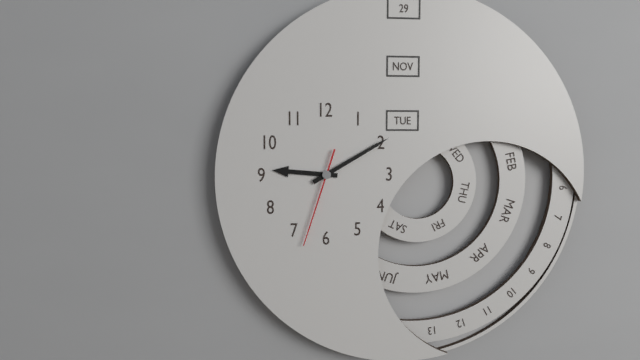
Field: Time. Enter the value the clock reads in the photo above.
9:10:33
